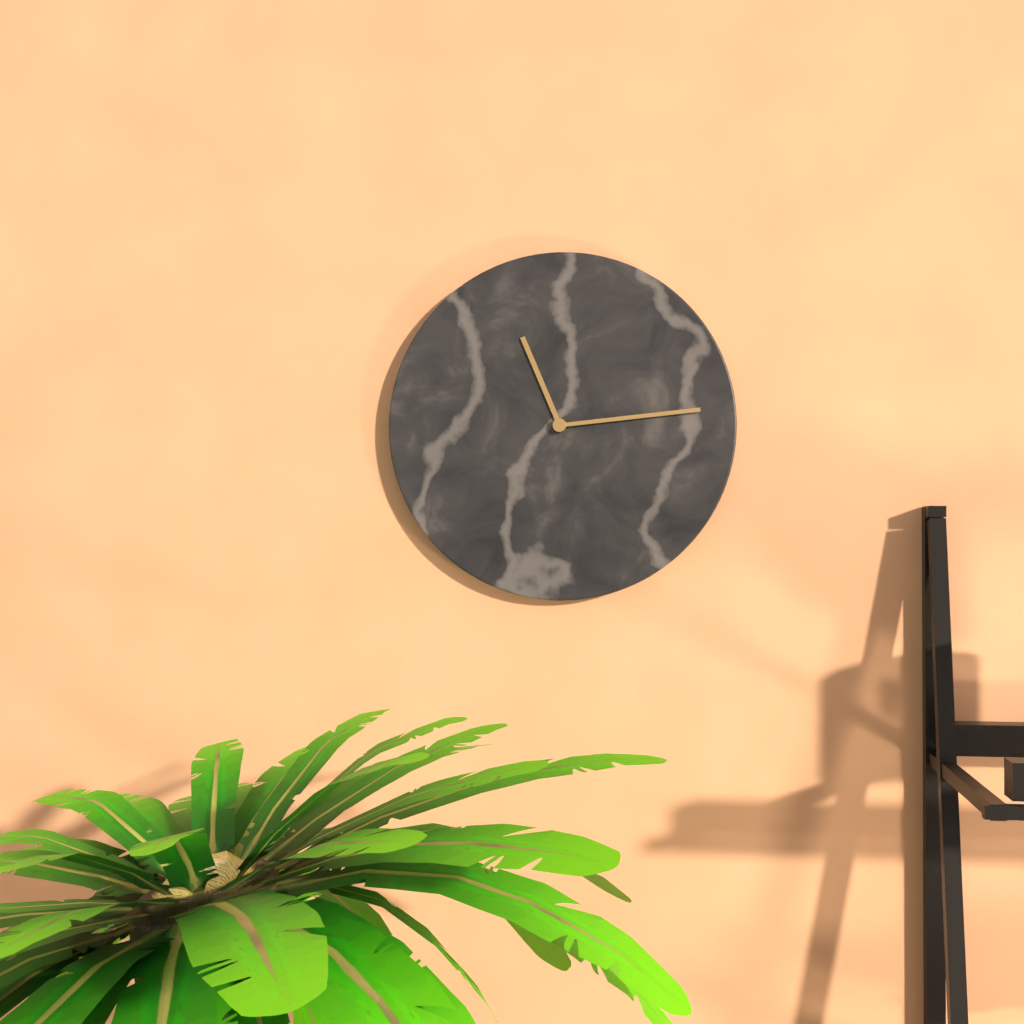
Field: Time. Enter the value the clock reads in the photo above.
11:14
